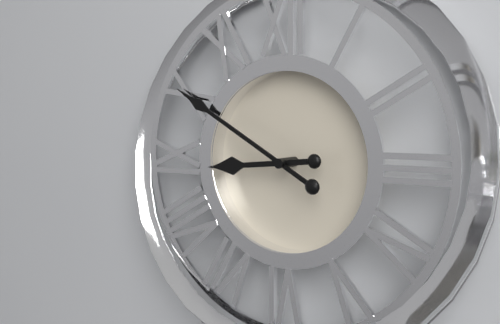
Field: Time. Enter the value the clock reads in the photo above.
8:50
